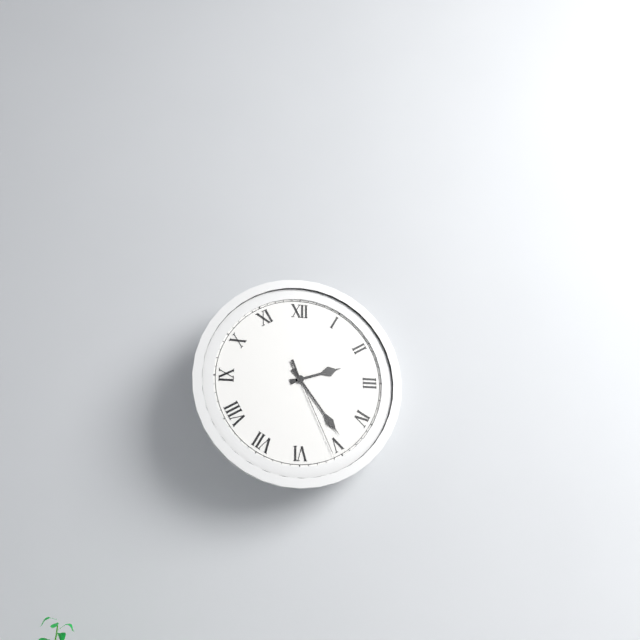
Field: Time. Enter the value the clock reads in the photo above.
2:24:26
